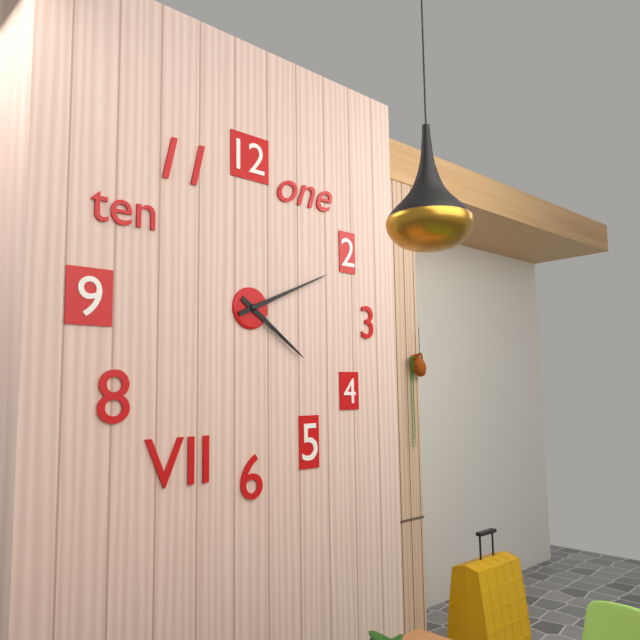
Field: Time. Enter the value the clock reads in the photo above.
4:11
